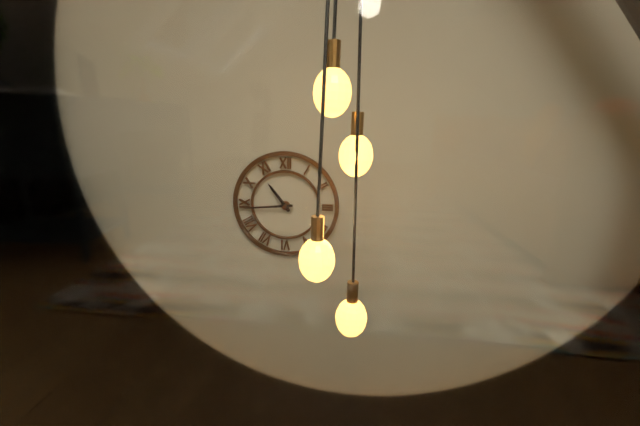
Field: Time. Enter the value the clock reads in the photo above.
10:44
